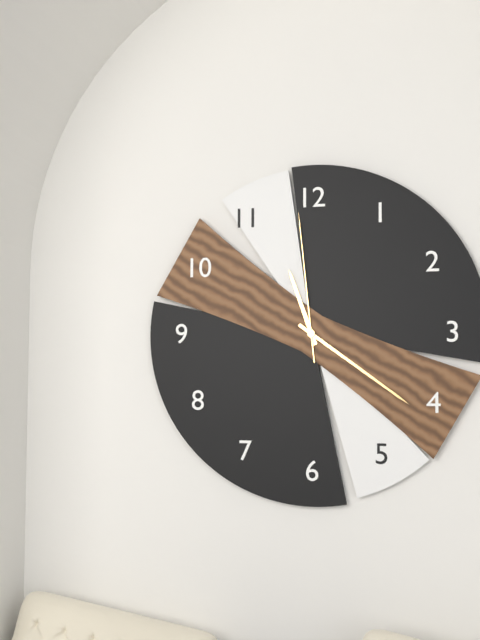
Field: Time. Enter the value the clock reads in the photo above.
11:21:59
